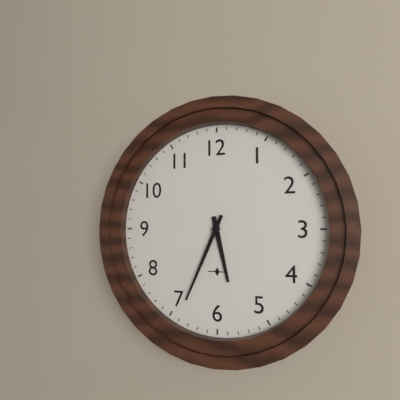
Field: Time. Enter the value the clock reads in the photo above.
5:34
